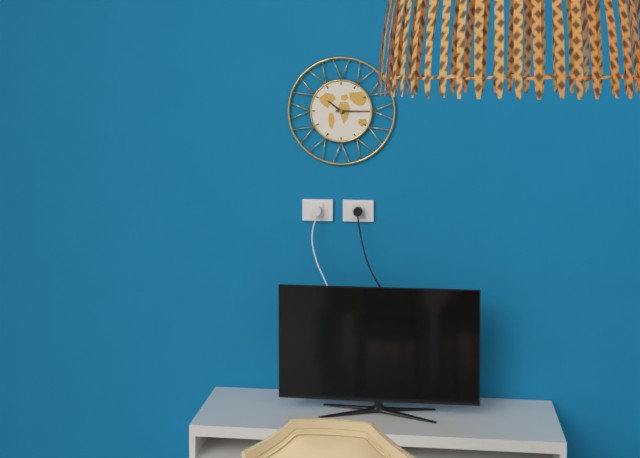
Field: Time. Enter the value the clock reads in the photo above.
10:15
